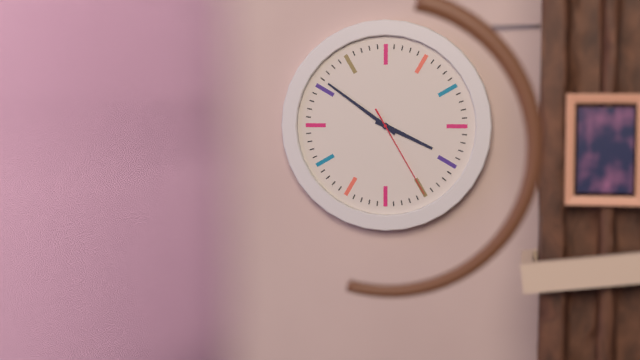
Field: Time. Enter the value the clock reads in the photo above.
3:51:25
